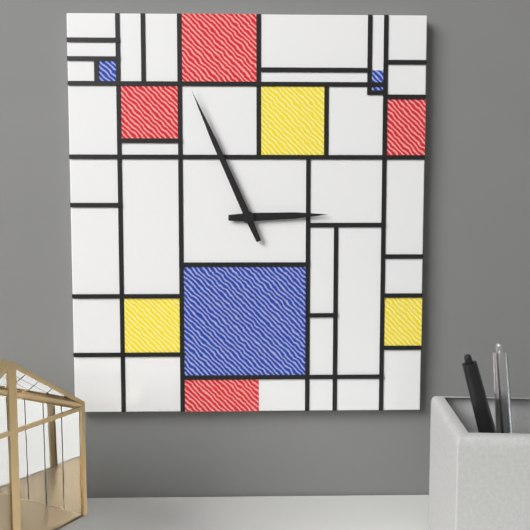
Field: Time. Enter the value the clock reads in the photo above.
2:56
